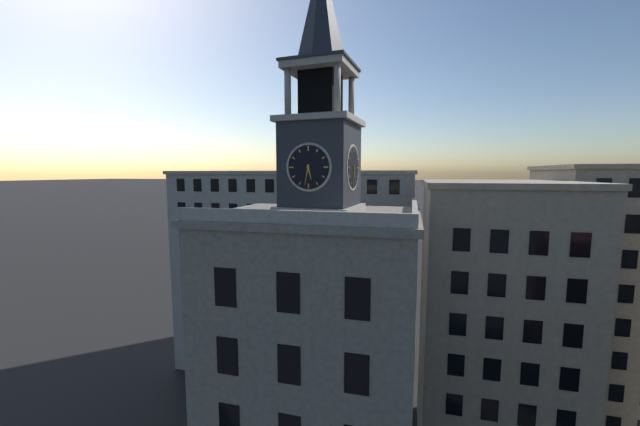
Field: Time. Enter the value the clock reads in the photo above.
5:32
